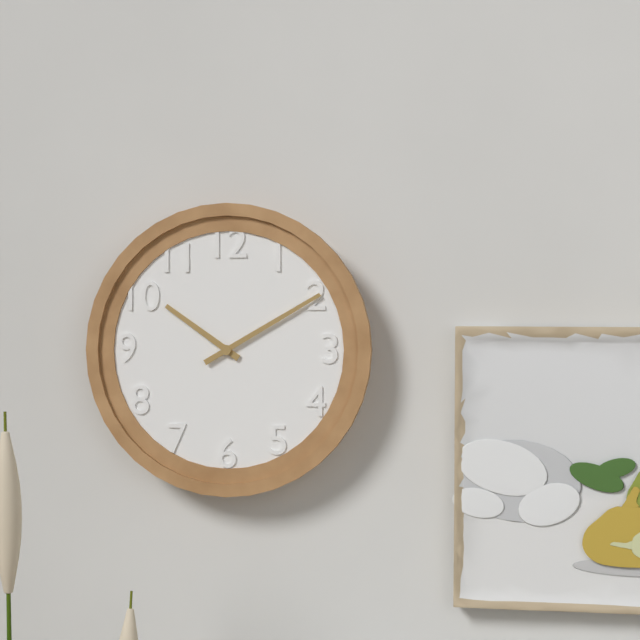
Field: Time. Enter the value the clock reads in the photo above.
10:10
